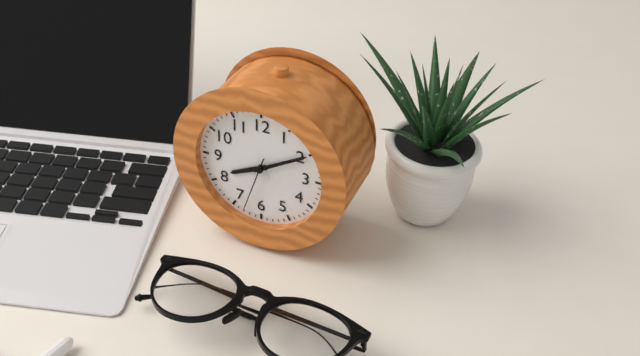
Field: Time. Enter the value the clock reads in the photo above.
8:10:33
